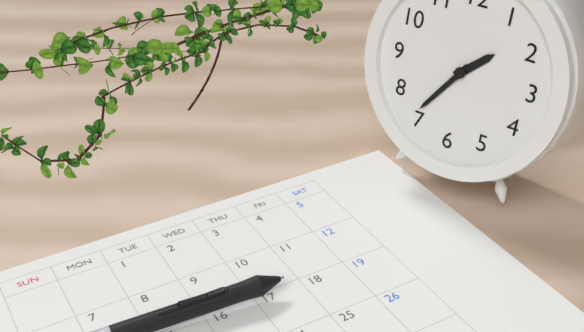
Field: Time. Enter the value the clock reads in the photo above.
1:36
